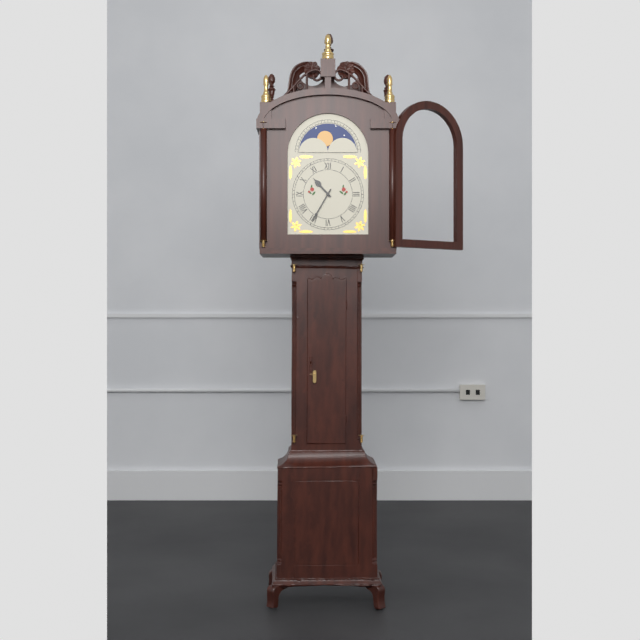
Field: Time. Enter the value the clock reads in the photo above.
10:35
